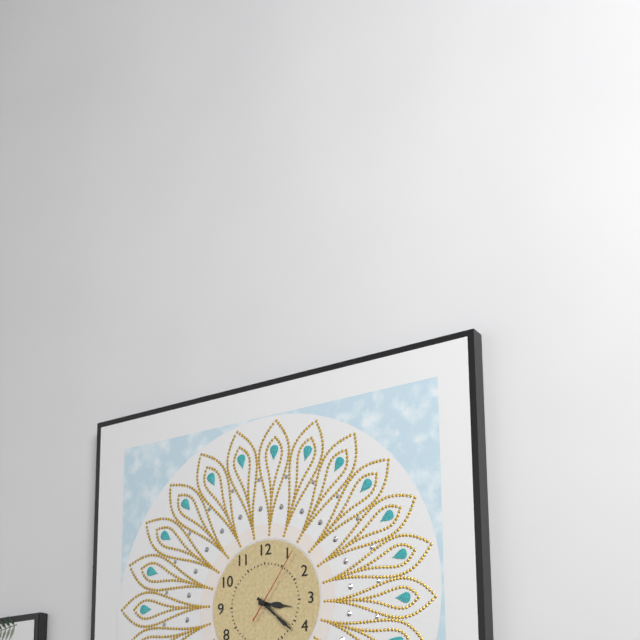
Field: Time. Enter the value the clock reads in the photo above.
3:22:06
